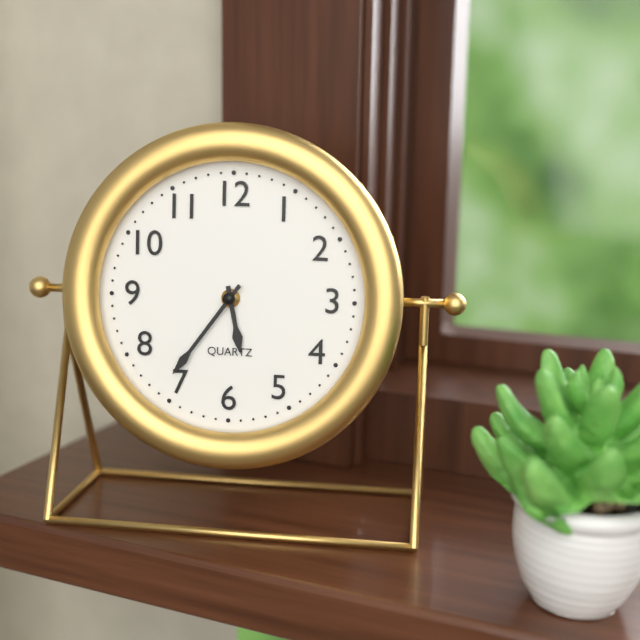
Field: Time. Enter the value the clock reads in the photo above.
5:36
